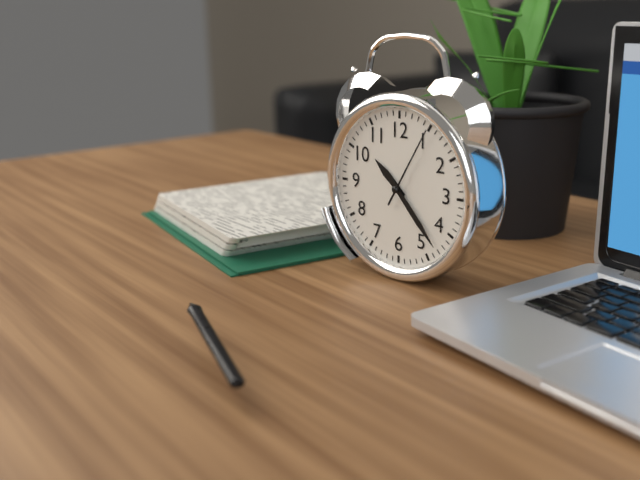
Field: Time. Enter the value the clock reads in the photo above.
10:23:05
